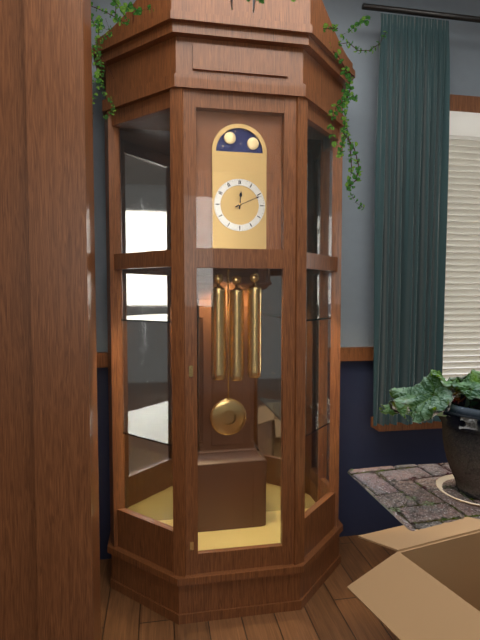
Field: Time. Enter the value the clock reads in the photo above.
12:11
